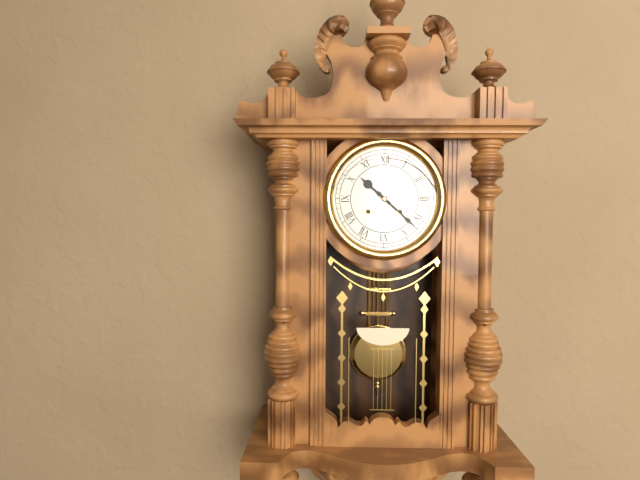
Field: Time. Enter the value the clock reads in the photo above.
10:22
